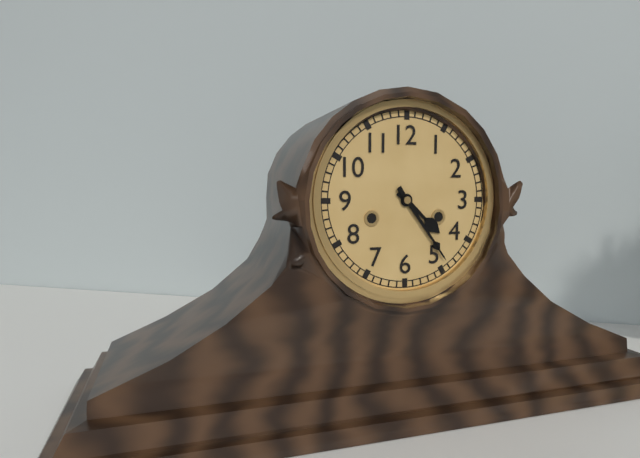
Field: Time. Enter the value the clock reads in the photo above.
4:24
